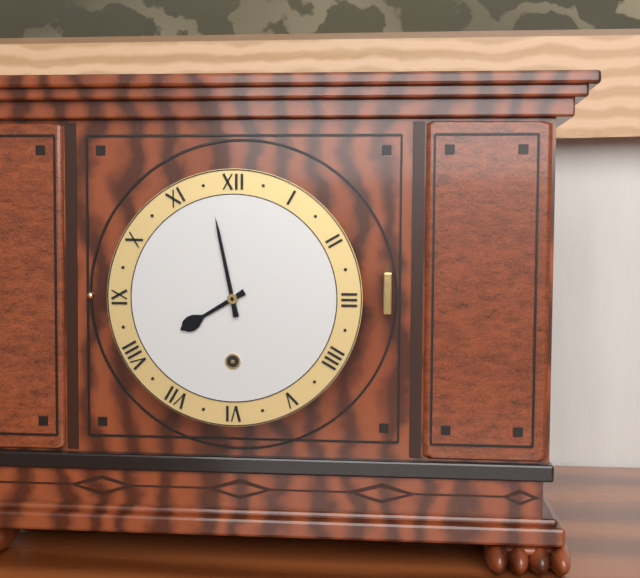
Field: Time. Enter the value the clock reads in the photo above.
7:58
